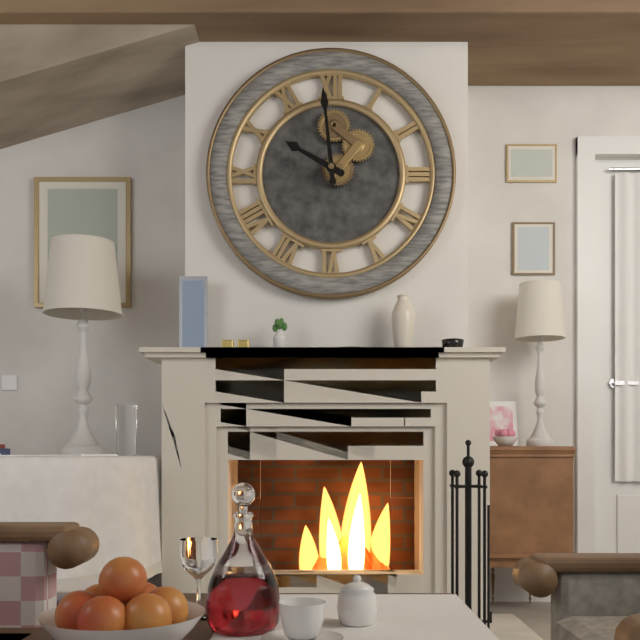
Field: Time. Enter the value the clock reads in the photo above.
9:59
